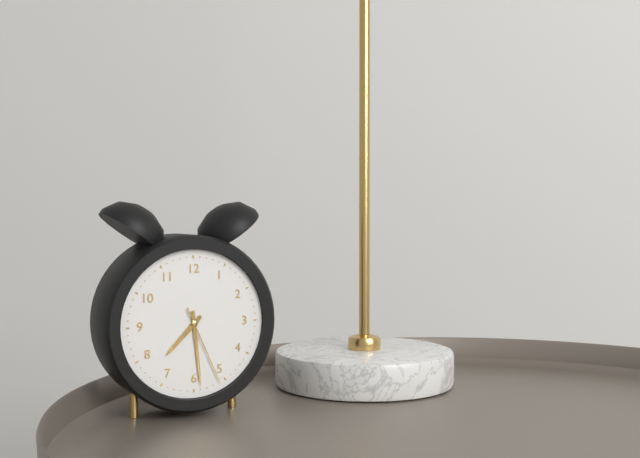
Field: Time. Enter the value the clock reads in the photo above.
7:29:26
